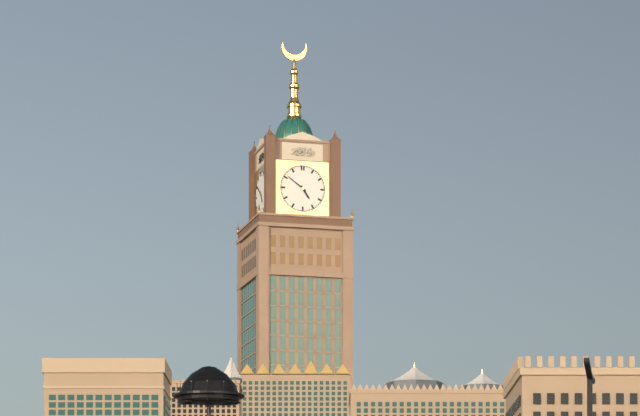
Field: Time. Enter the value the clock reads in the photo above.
4:51
